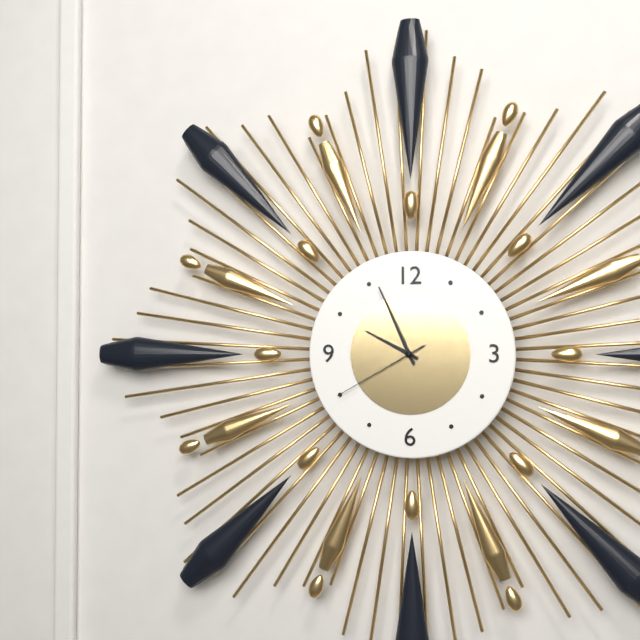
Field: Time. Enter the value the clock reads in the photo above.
9:56:40
